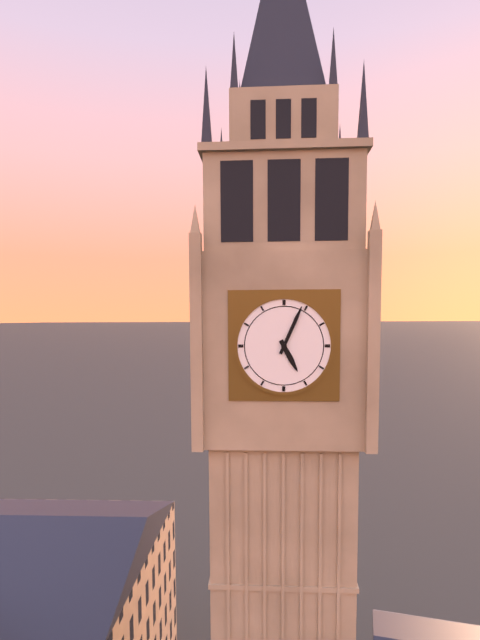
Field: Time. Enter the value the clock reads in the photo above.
5:04
